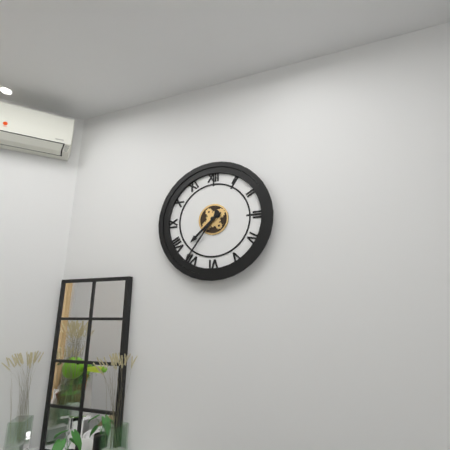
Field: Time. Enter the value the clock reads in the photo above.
7:36
